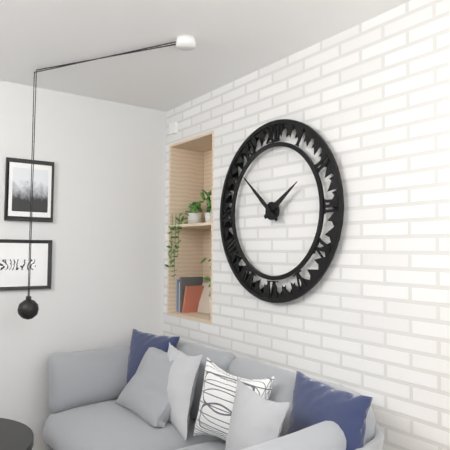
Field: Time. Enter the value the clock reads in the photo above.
1:52
